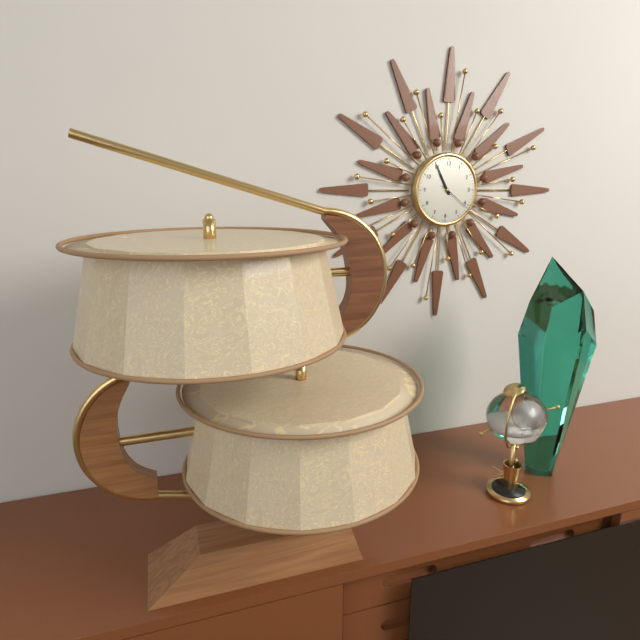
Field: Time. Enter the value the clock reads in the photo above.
10:55
